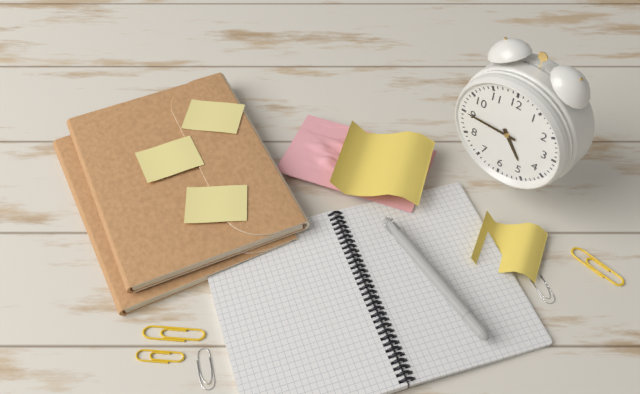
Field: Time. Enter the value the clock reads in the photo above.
4:45
